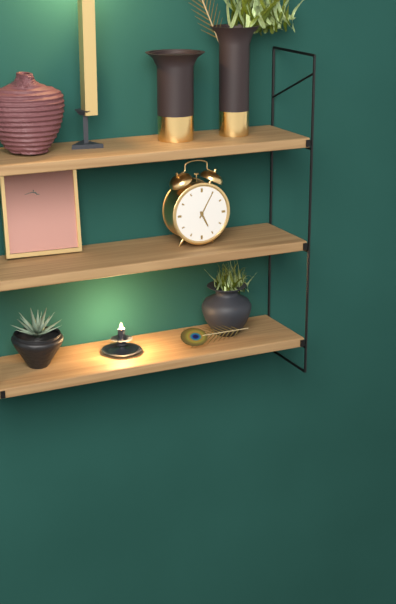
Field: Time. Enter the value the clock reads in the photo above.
5:05
